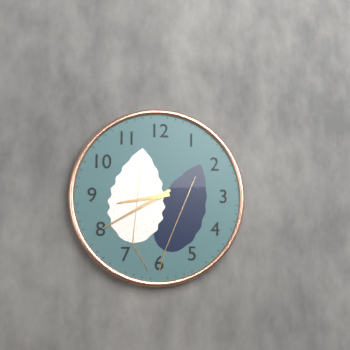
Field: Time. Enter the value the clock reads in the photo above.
8:40
